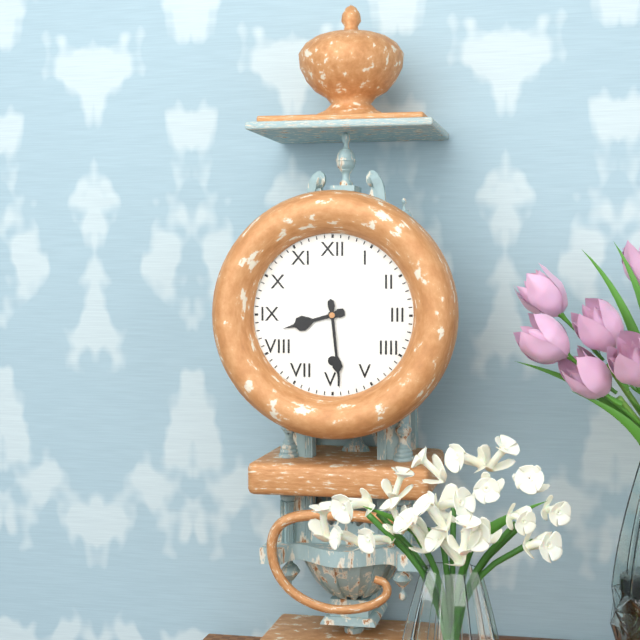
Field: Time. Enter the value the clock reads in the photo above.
8:29
